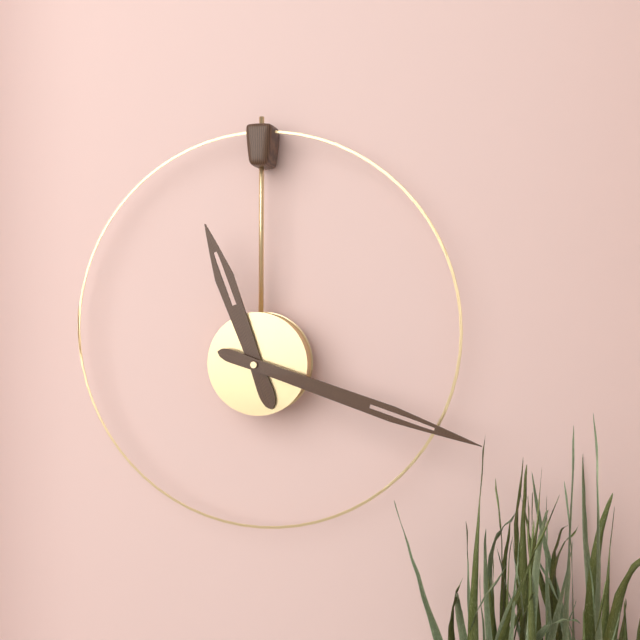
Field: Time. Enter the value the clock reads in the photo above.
11:18
